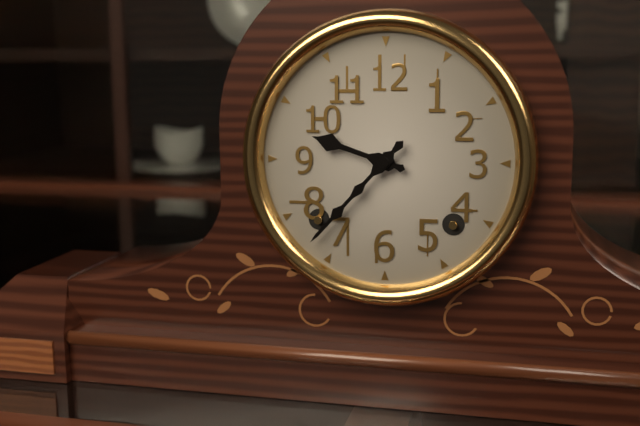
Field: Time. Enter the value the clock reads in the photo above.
9:37
